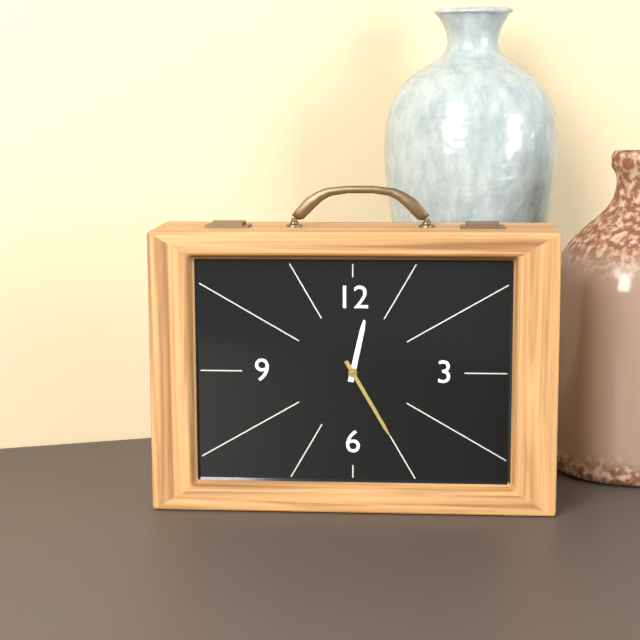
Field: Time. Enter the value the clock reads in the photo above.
12:25
